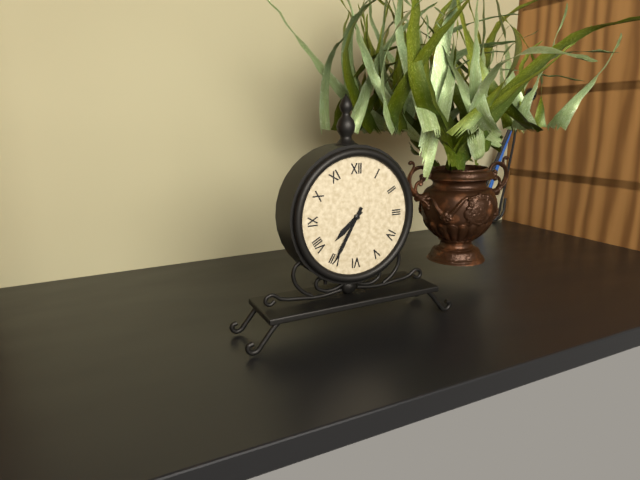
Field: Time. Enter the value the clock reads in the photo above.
7:35
